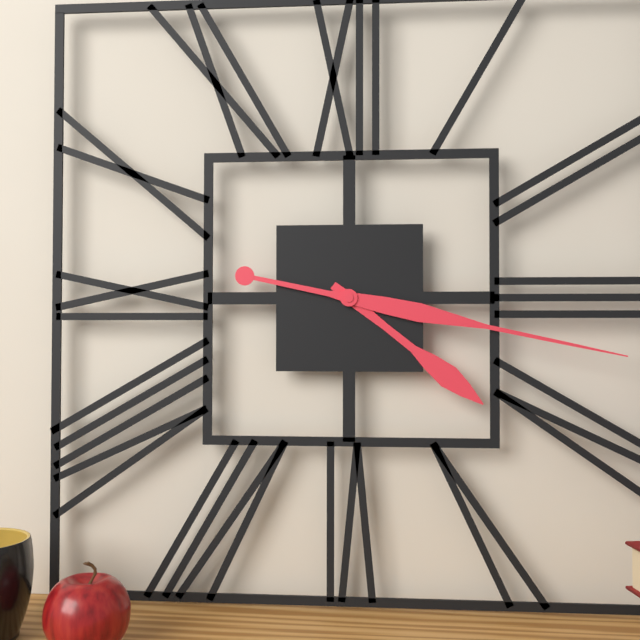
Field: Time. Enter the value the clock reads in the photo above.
4:17
